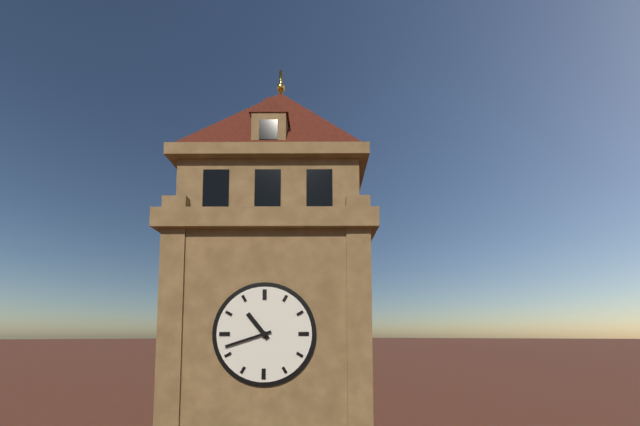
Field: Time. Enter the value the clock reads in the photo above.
10:42
